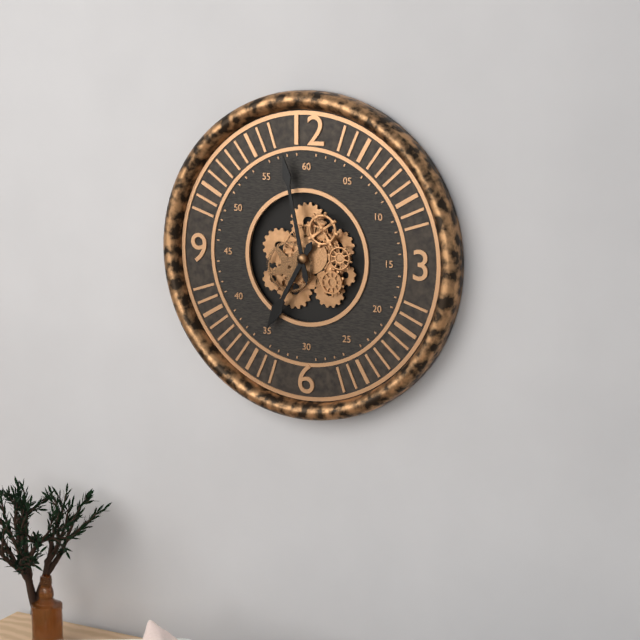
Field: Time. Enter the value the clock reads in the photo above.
6:58
